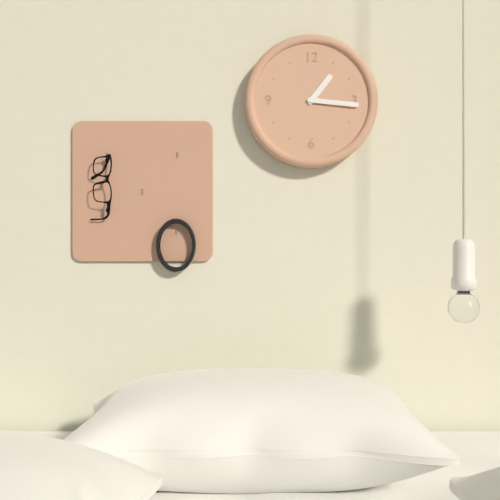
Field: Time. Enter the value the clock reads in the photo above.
1:16
